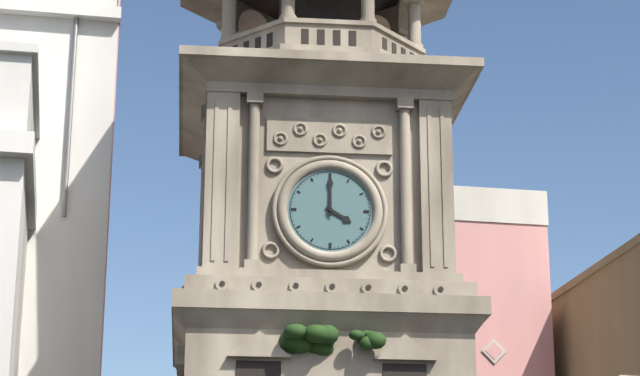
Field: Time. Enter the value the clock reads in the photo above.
4:00
